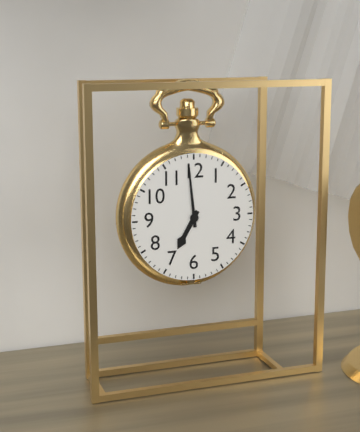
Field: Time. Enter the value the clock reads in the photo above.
6:59
